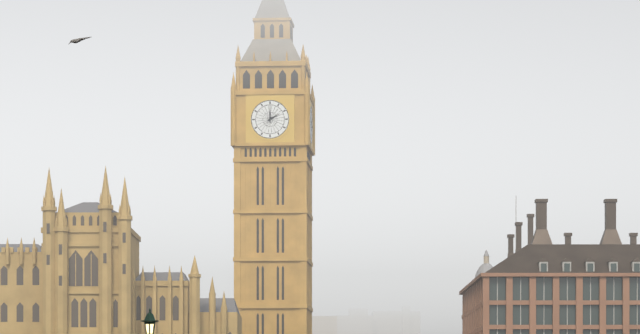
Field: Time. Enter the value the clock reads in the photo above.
2:00
